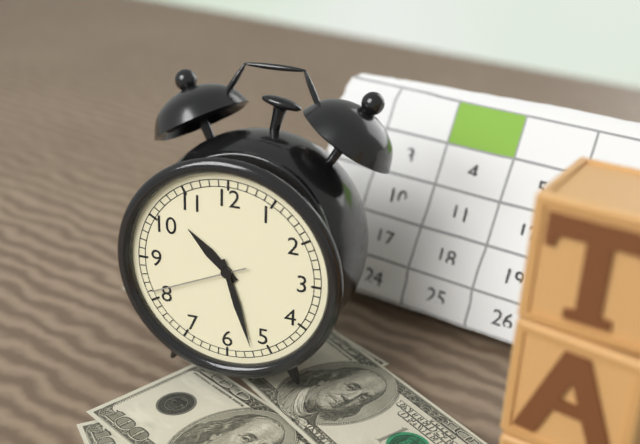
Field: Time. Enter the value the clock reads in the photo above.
10:27:41
